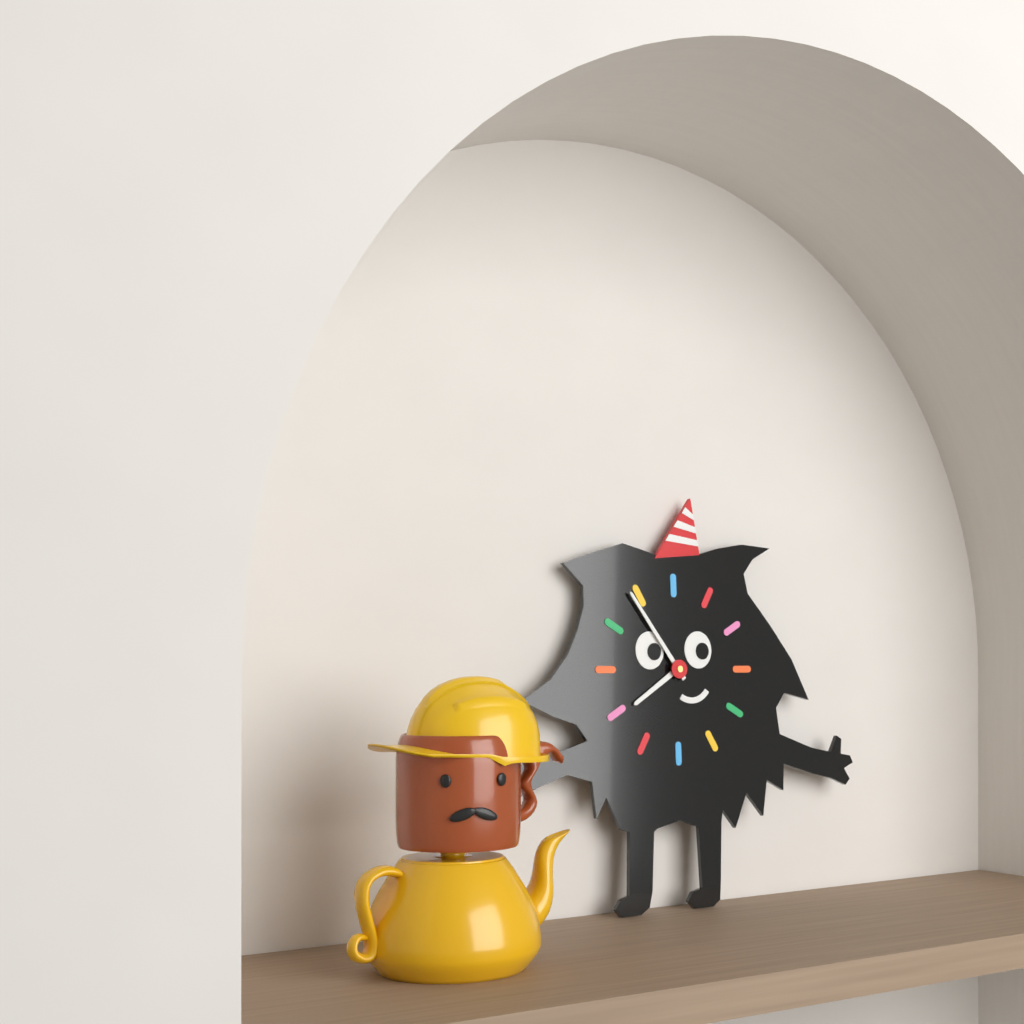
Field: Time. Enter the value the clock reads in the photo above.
7:54
